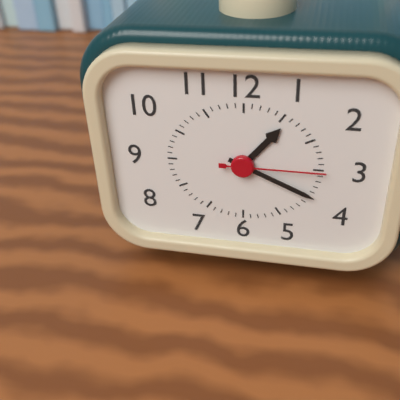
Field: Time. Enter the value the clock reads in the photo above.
1:19:15
